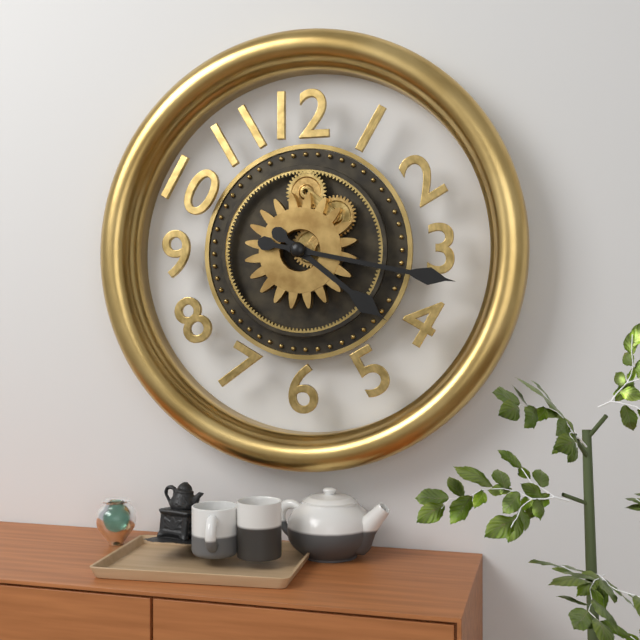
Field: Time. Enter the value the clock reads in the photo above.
4:17
